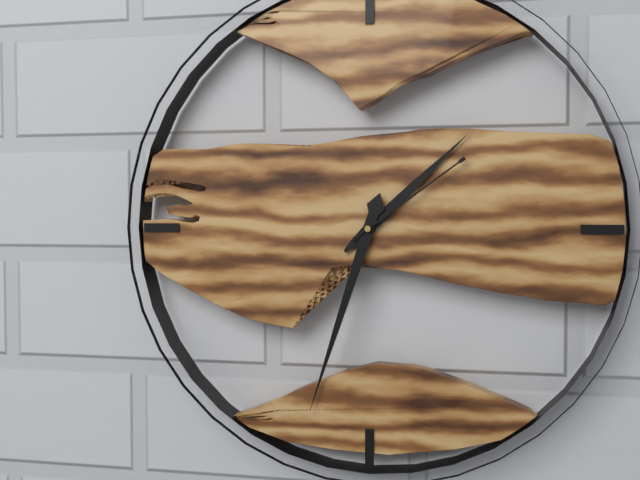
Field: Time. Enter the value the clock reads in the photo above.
1:33:09
